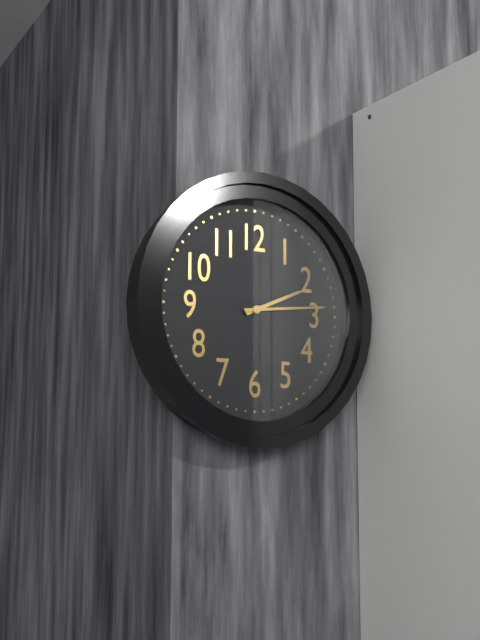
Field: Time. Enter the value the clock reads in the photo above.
2:14
